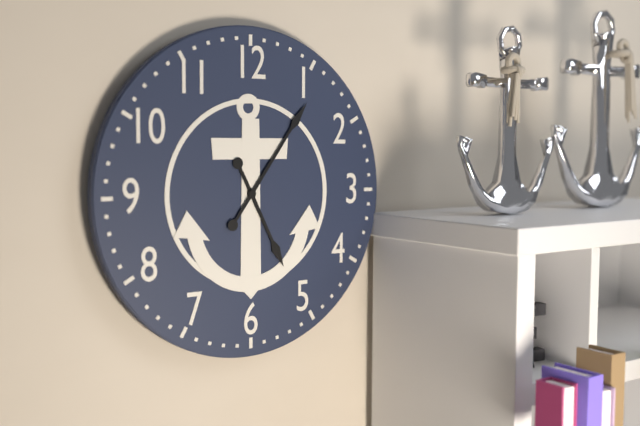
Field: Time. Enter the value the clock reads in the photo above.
5:06
